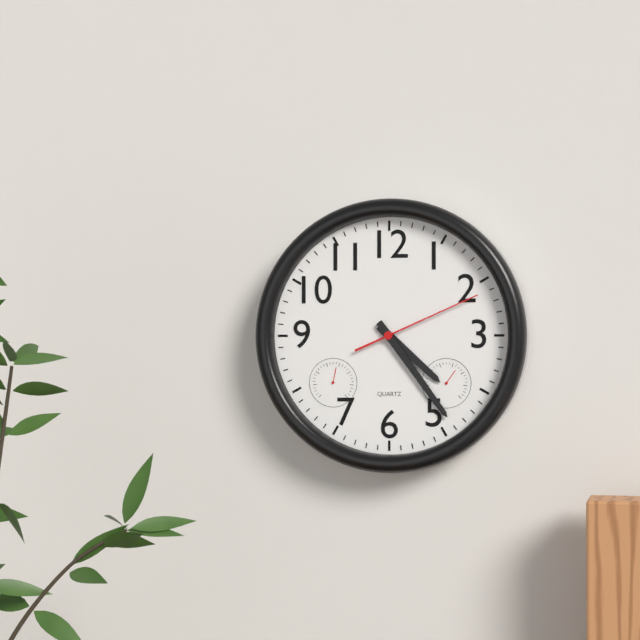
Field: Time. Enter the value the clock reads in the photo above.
4:24:11
